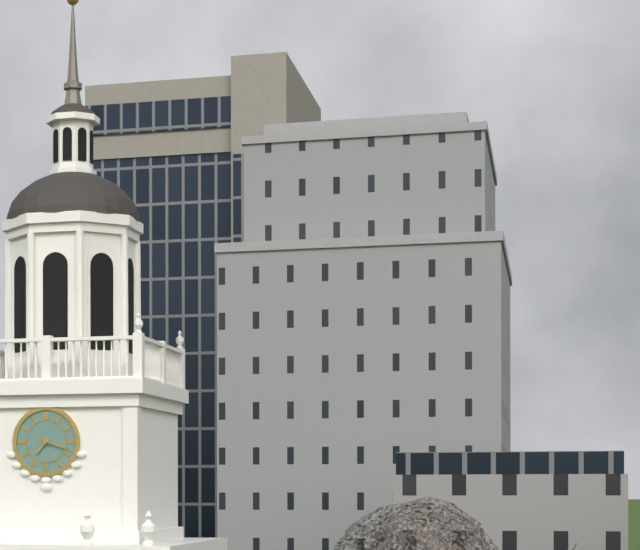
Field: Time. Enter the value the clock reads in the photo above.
7:18
